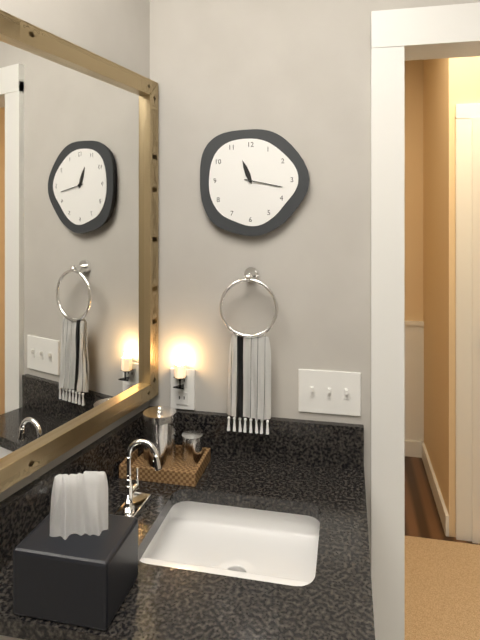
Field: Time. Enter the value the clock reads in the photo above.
11:17
